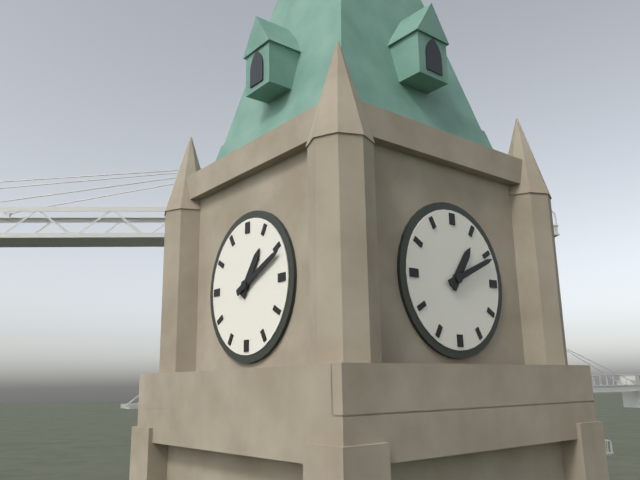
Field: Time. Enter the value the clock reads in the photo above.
1:11
